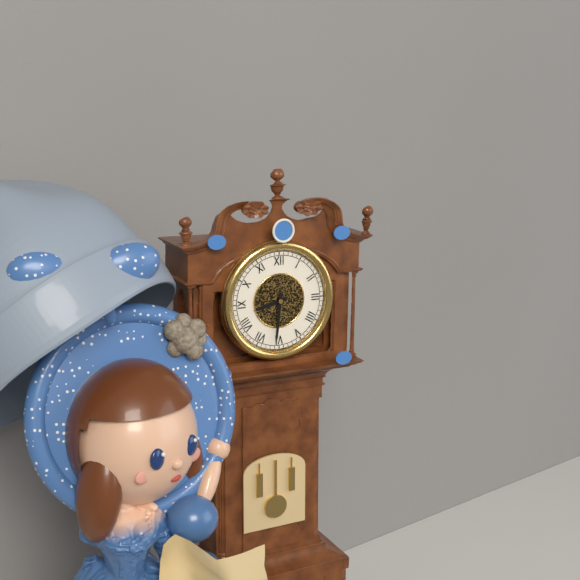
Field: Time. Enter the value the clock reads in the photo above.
8:31
